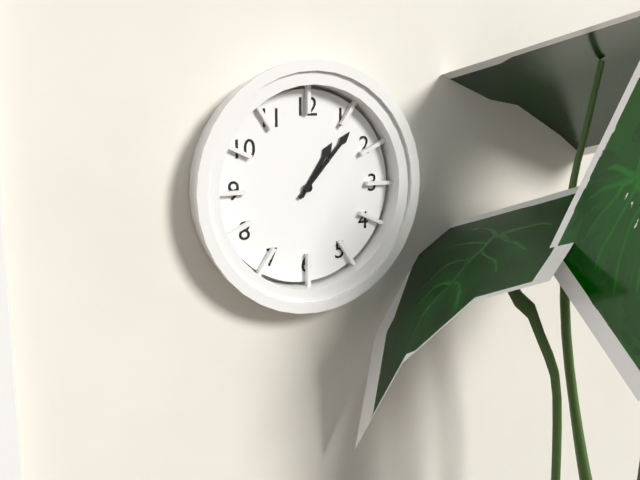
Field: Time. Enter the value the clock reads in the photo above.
1:07
